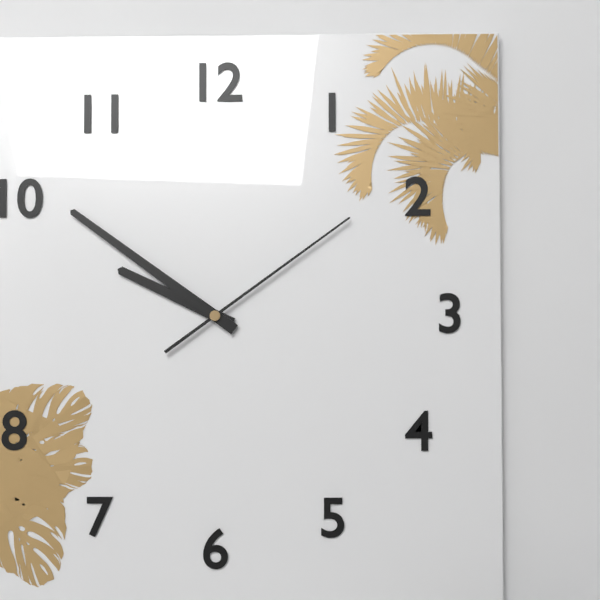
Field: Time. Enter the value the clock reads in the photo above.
9:51:09
